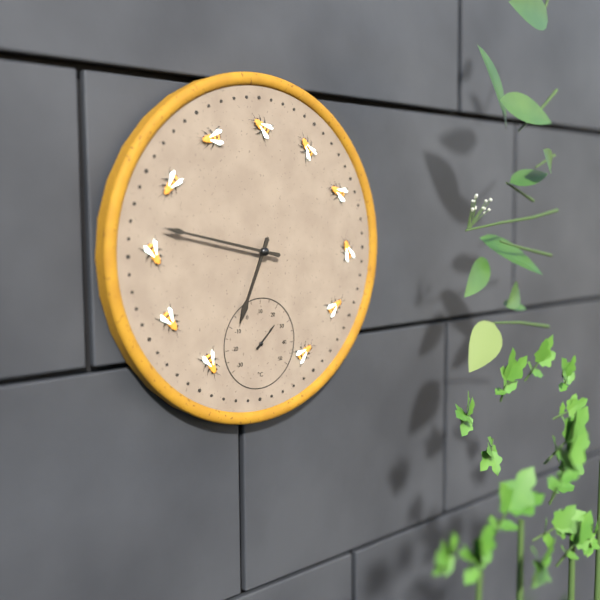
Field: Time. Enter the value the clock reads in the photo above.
6:47
